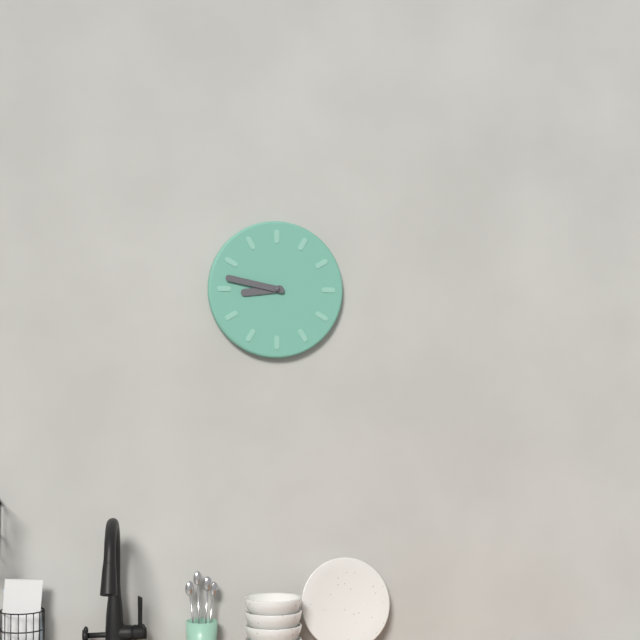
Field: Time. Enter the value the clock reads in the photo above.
8:47
